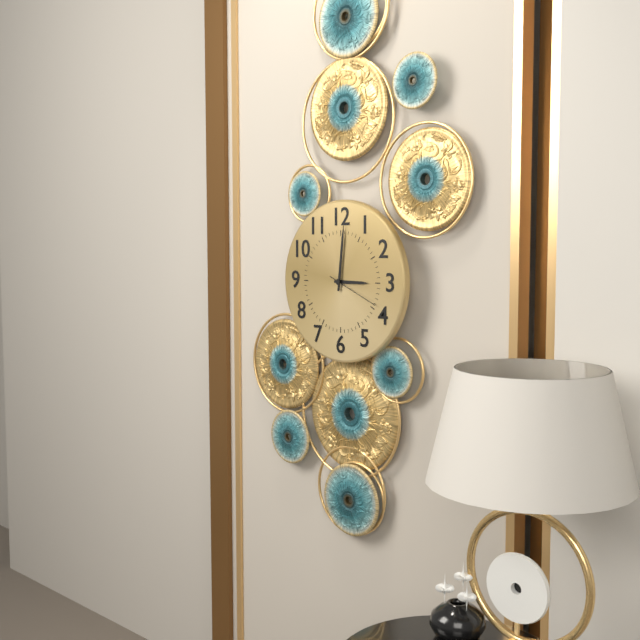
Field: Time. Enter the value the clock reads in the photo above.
3:01
